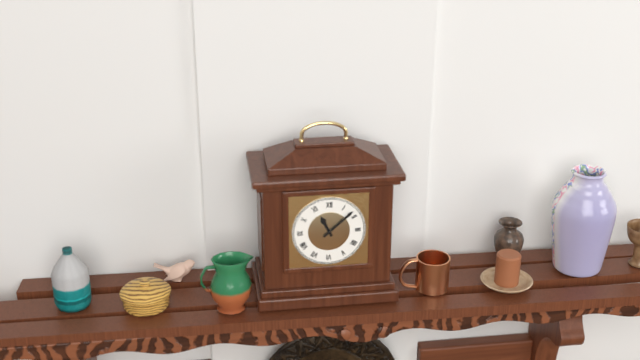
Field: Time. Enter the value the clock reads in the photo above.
11:08
